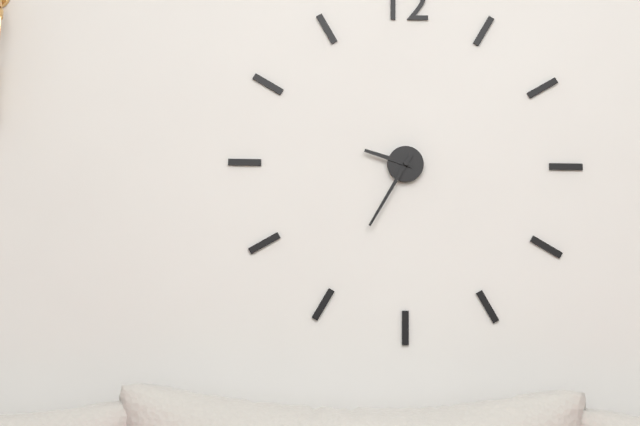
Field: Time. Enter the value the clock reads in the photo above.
9:35
